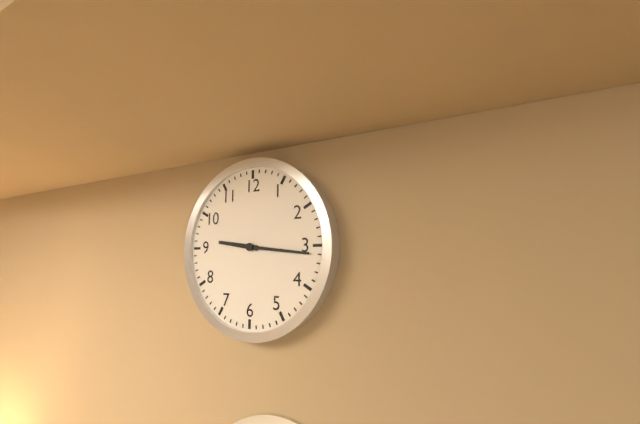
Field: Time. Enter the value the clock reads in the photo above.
9:16
